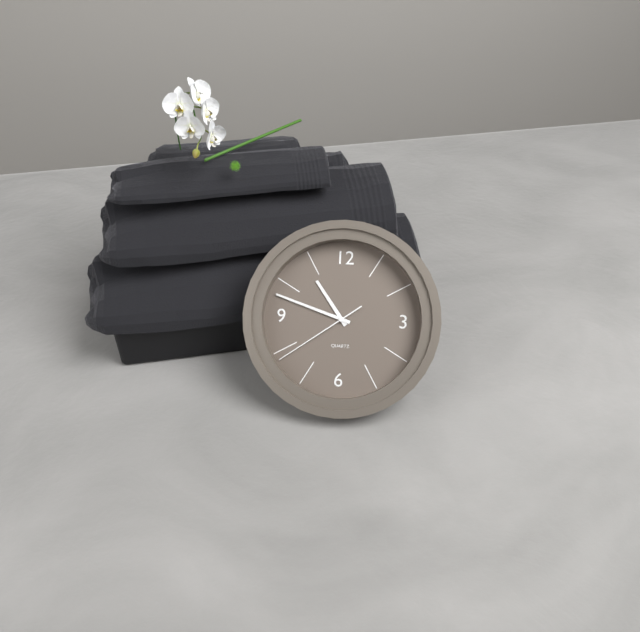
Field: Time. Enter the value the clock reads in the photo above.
10:48:39
